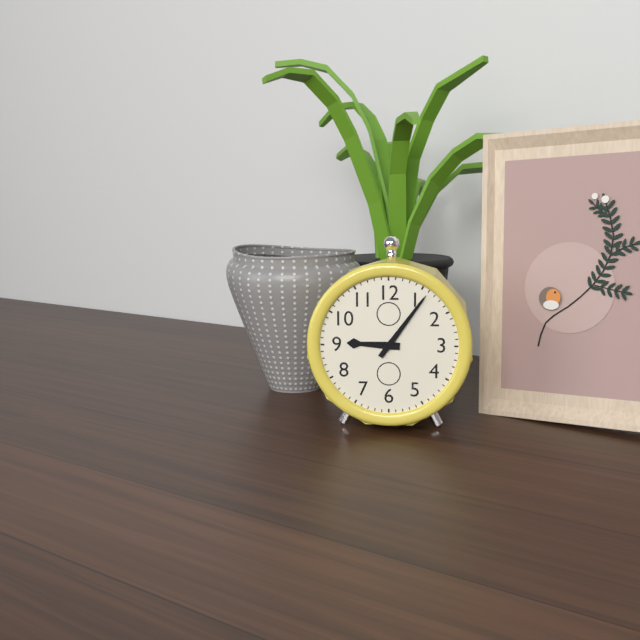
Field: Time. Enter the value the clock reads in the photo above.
9:06
